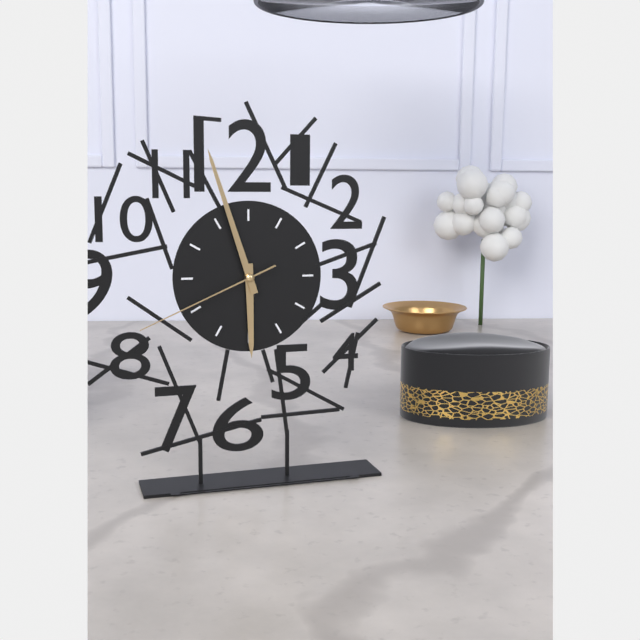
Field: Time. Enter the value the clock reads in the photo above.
5:57:41
